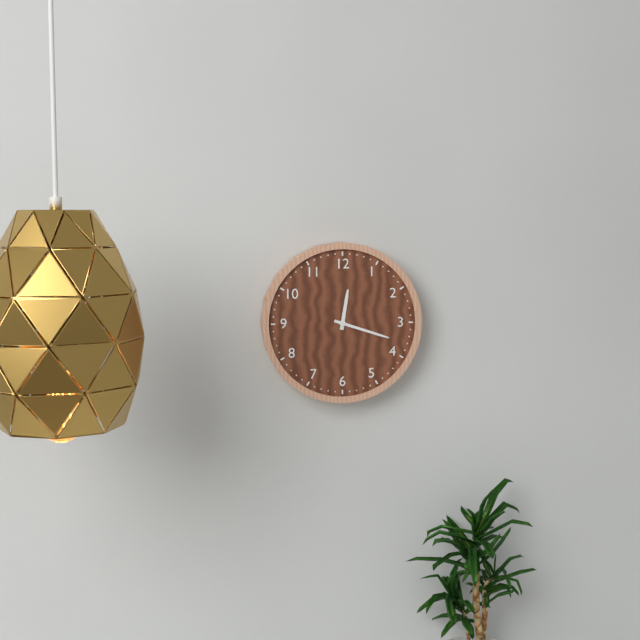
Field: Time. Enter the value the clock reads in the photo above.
12:18
